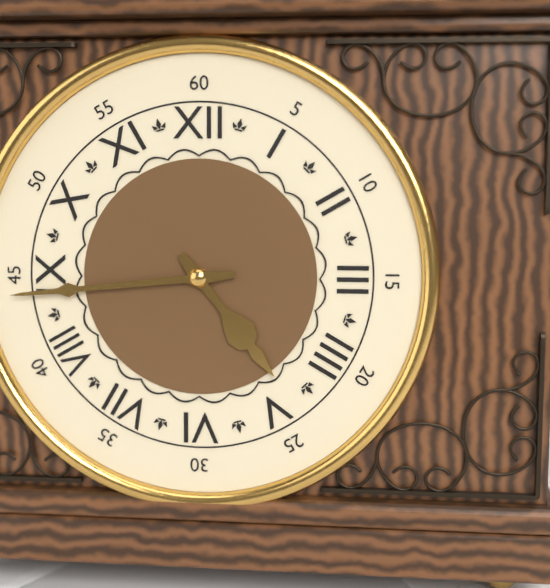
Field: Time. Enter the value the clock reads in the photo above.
4:44
